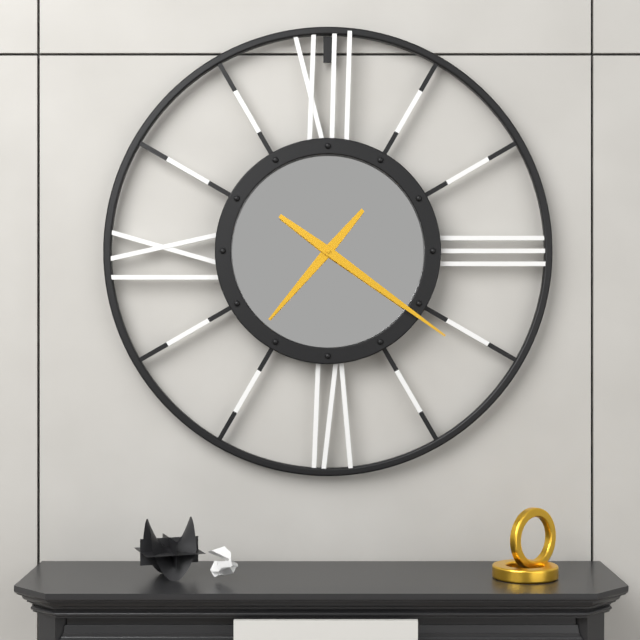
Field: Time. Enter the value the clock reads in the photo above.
7:21
